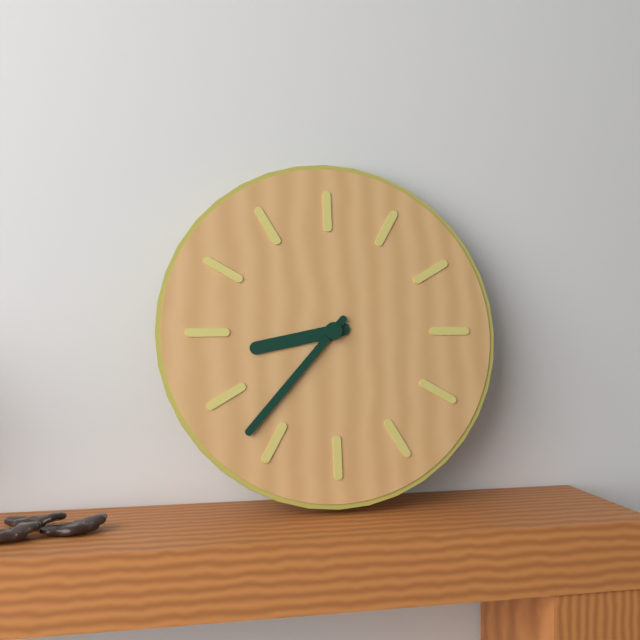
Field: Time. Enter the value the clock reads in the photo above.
8:37
